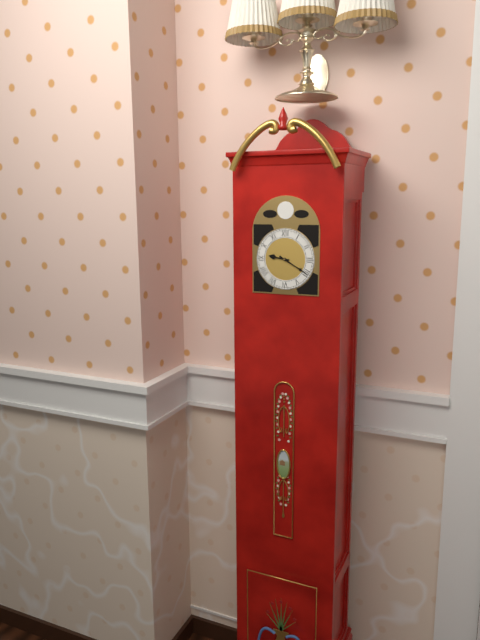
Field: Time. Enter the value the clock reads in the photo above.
9:20
